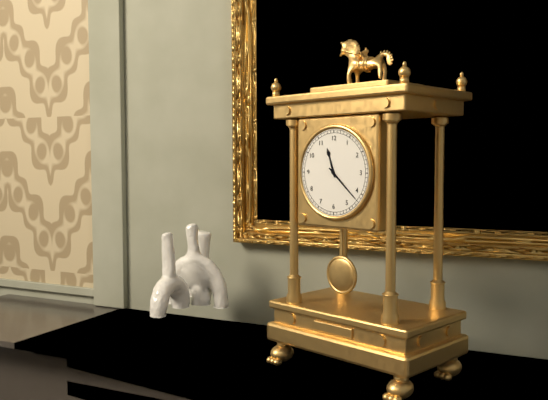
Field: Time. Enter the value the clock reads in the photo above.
11:22
